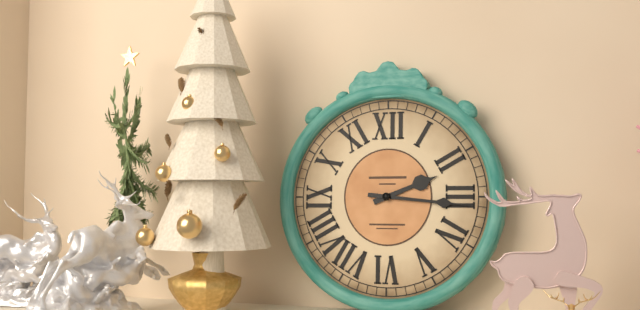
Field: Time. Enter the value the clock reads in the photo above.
2:16
